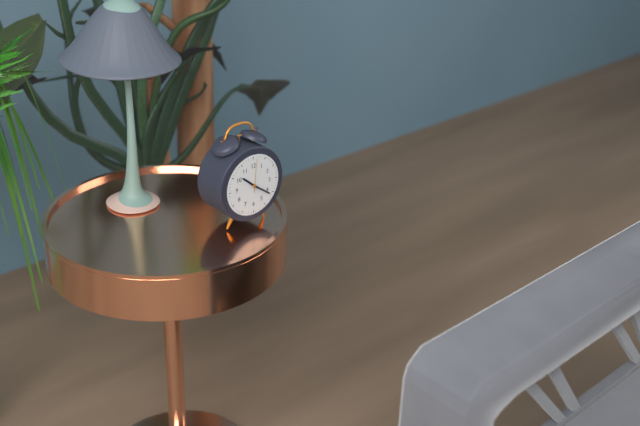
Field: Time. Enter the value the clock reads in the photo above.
10:21
